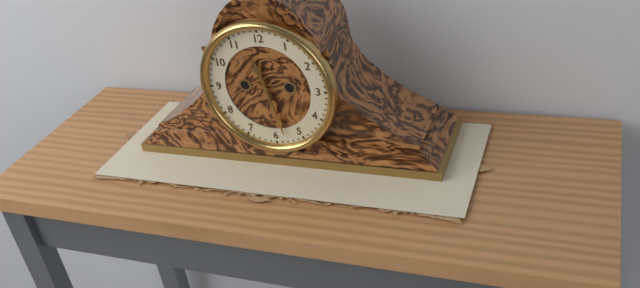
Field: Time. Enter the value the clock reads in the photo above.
11:28
